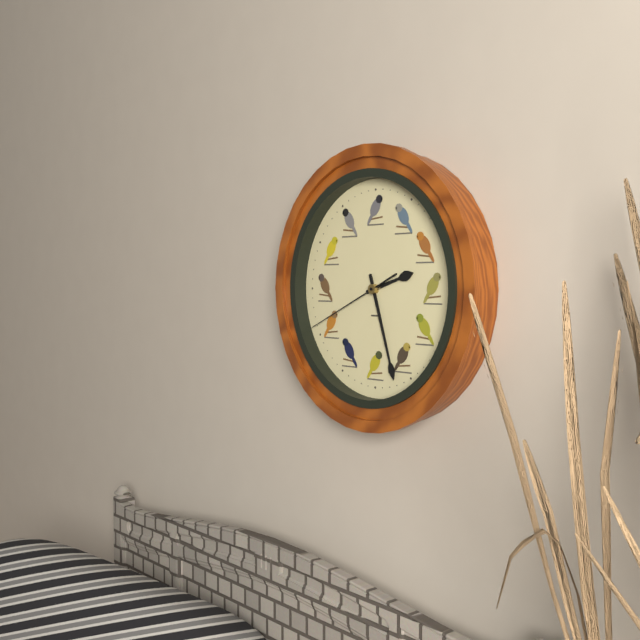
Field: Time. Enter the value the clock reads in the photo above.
2:27:41
